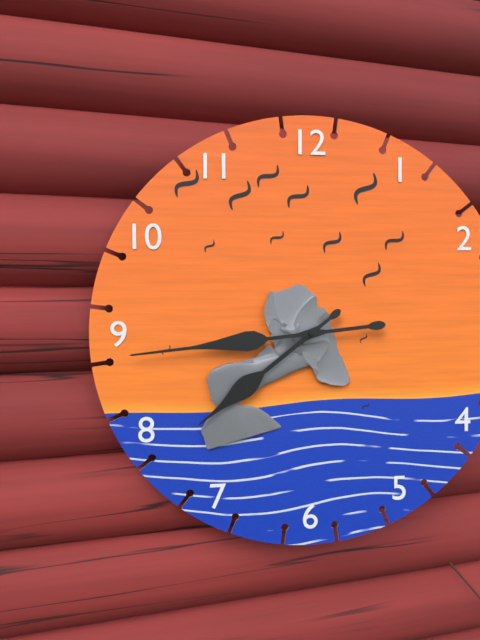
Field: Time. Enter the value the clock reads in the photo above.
7:44
